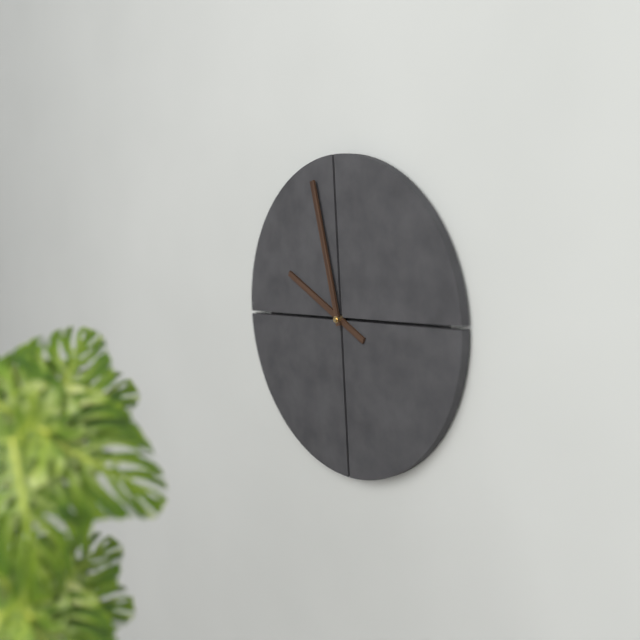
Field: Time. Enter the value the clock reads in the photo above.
9:58
